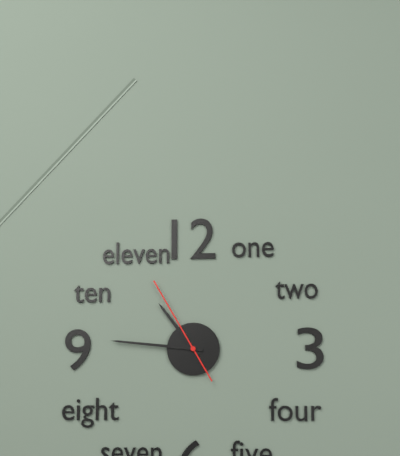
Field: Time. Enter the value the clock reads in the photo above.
10:46:55
